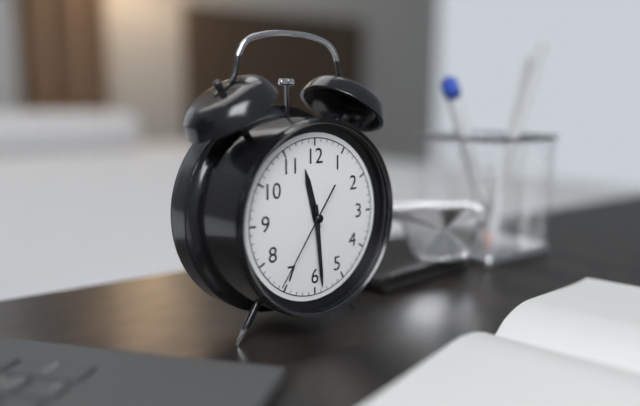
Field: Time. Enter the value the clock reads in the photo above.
11:29:36
